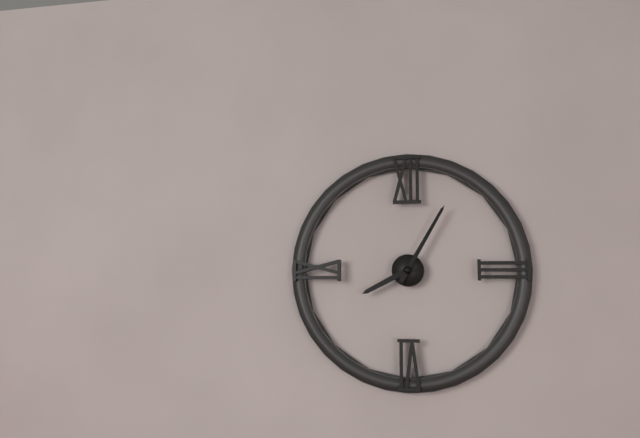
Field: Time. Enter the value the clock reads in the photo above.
8:05
